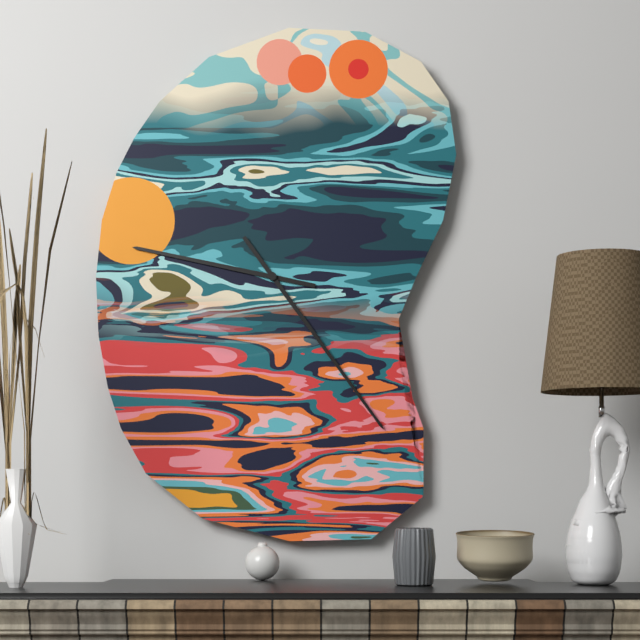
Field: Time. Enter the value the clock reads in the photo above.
9:24
